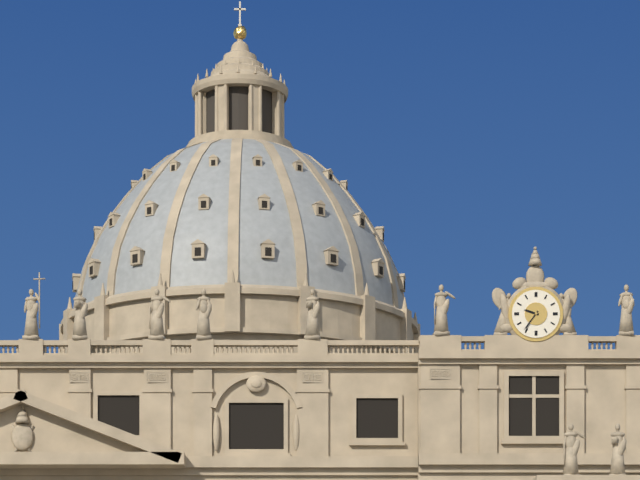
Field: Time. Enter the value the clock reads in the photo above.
9:36
